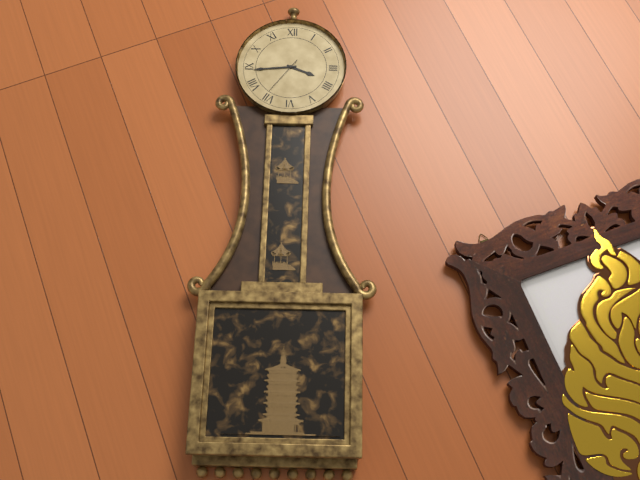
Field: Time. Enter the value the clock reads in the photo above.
3:44
